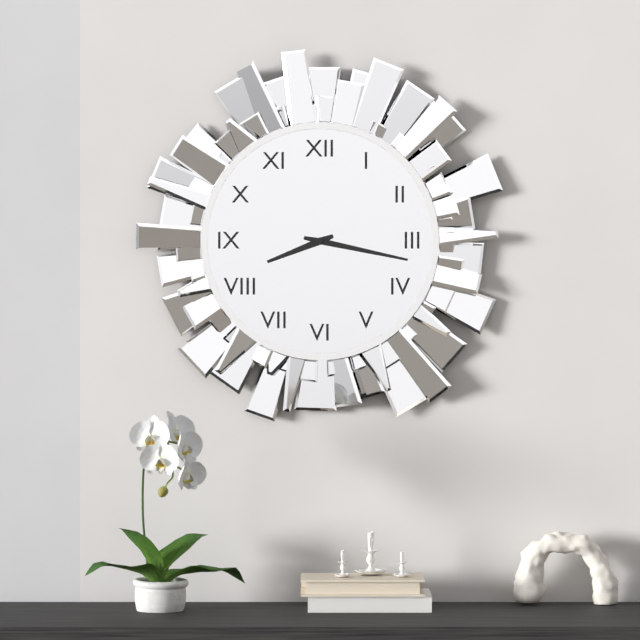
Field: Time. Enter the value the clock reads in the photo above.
8:17
